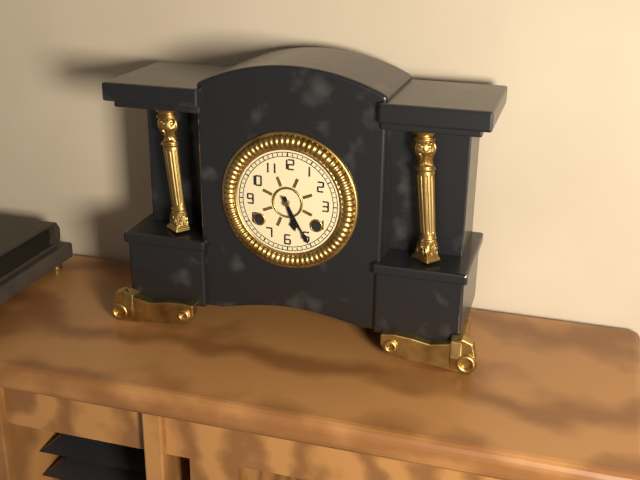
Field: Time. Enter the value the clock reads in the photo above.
5:25
